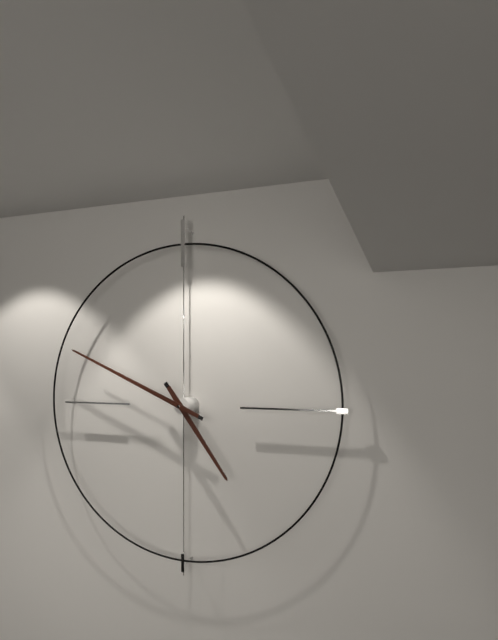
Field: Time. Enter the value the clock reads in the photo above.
4:49
